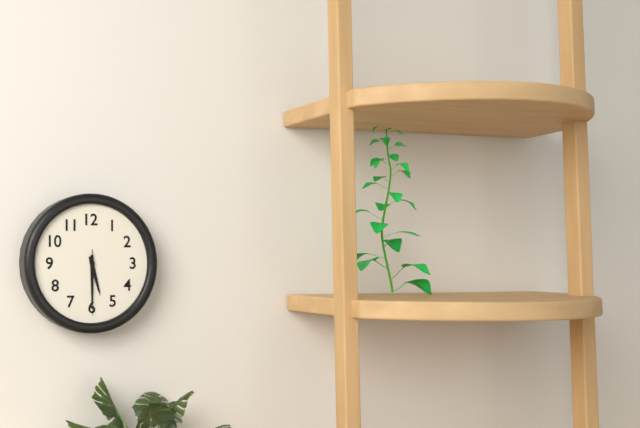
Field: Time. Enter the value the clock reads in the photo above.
5:30:30
